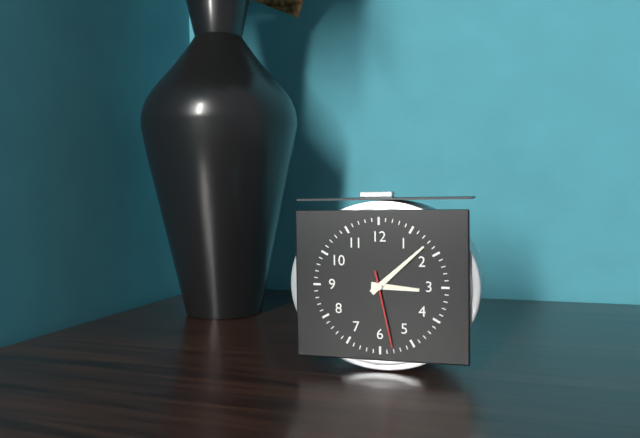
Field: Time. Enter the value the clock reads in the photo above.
3:08:28
